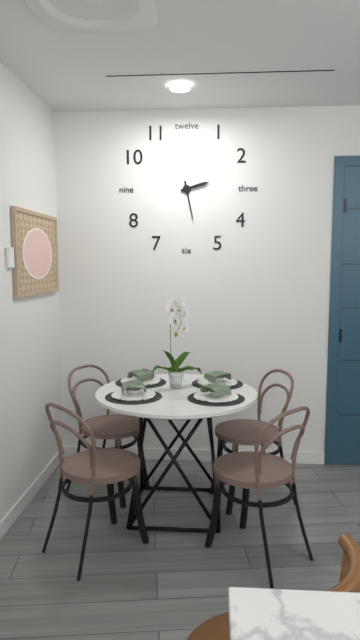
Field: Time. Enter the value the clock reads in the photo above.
2:28
